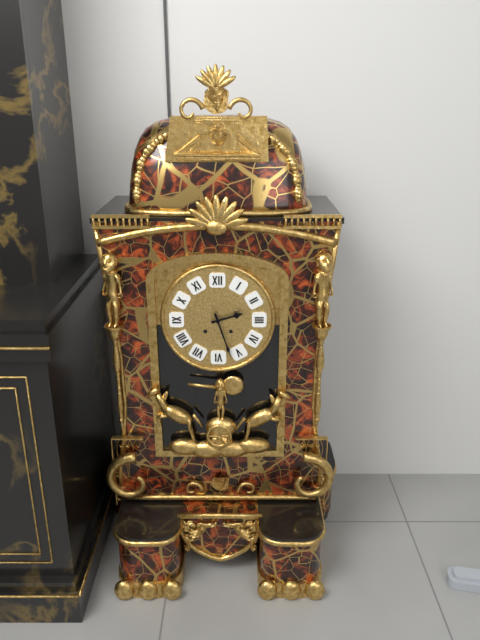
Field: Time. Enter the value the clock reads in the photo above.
2:27
